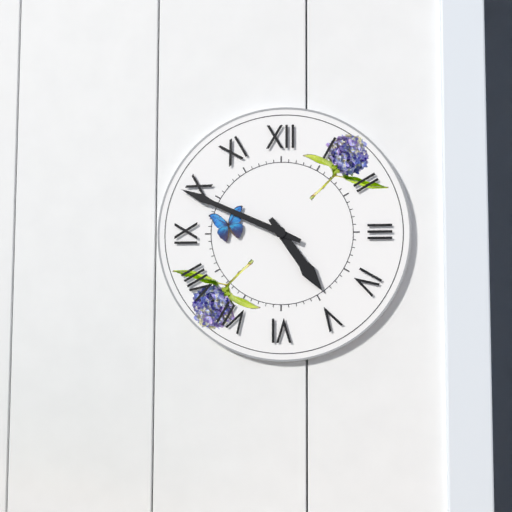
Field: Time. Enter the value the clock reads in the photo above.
4:49
